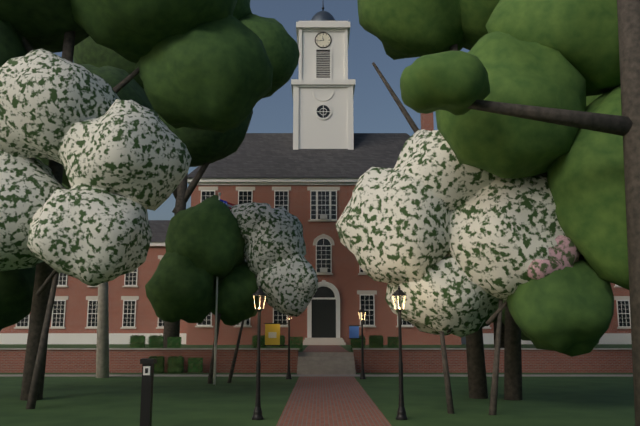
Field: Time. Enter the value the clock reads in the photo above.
11:43
